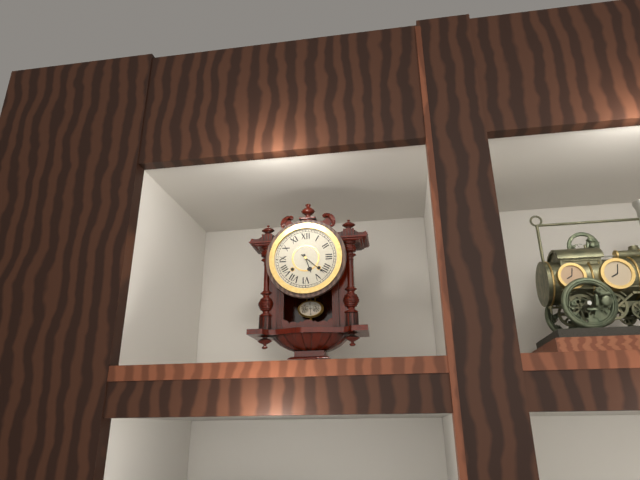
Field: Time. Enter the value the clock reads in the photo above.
5:22
